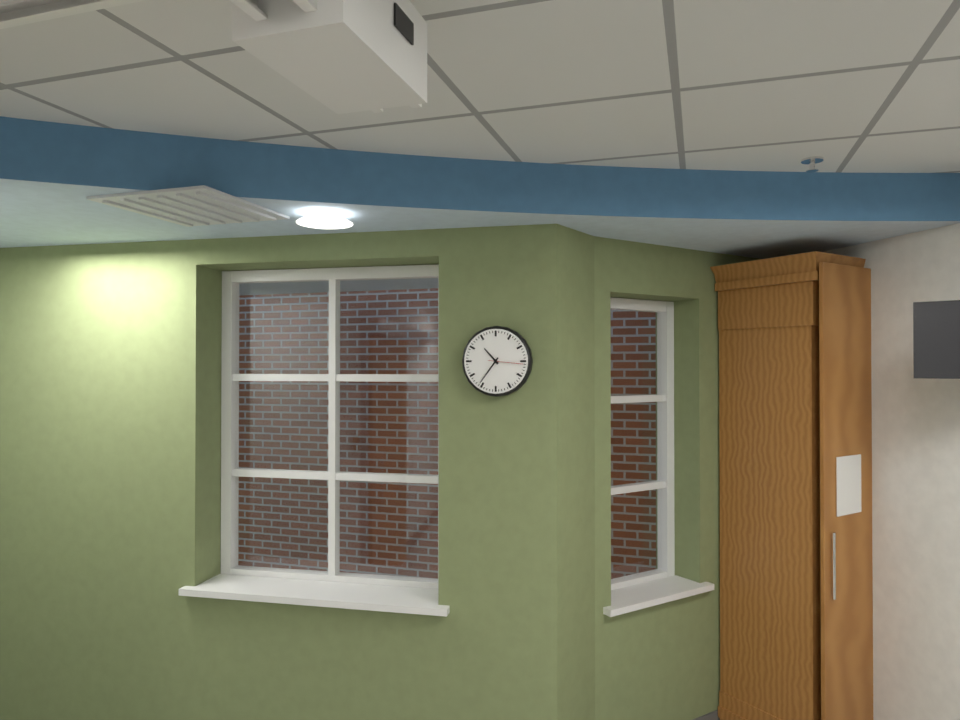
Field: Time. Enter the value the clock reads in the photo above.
10:36
